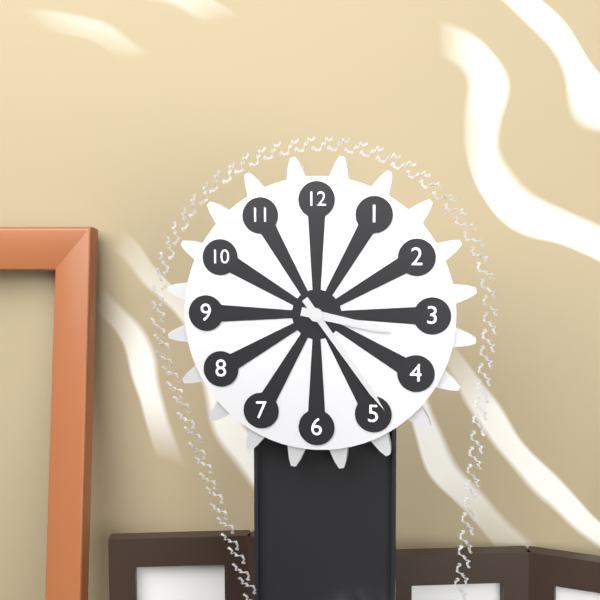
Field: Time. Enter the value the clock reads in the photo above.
3:24
